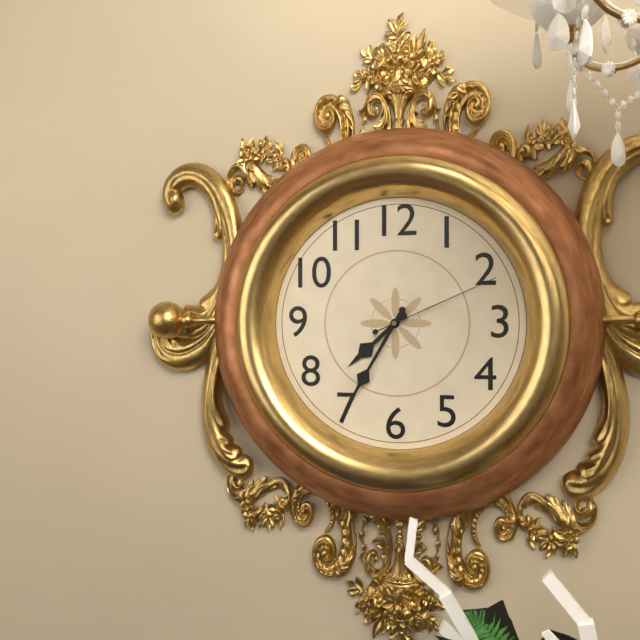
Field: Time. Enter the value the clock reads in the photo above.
7:35:11
